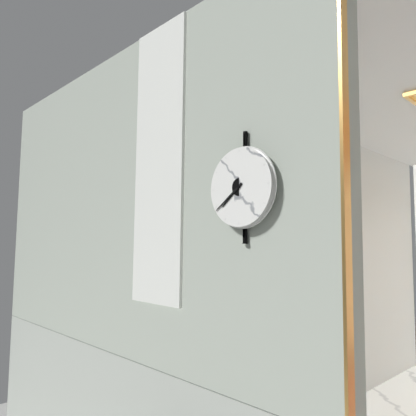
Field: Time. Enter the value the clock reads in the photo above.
7:39
